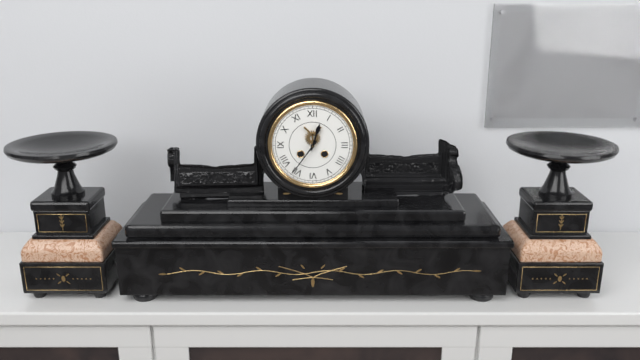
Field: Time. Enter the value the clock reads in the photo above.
12:36
